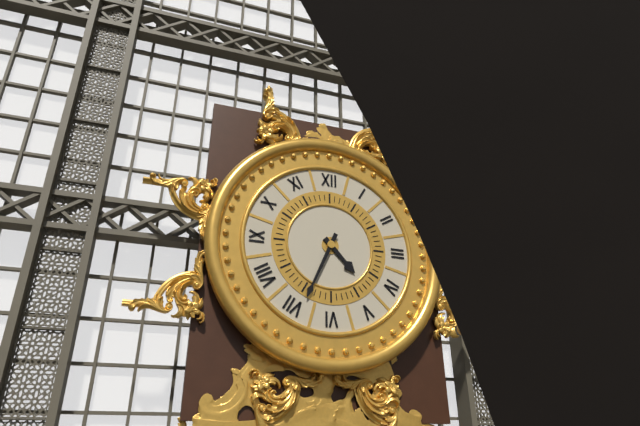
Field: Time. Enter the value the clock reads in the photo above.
4:34
